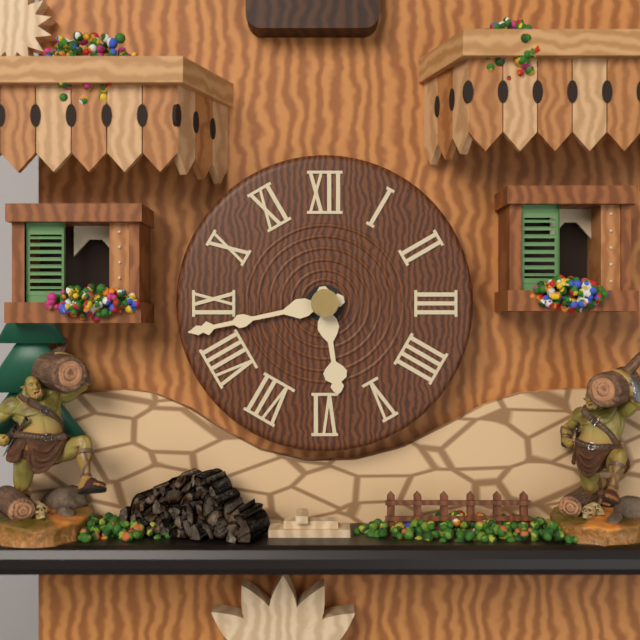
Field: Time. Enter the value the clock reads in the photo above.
5:43
